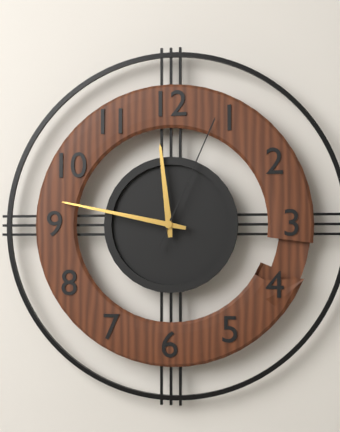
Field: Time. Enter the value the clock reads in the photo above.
11:47:04
